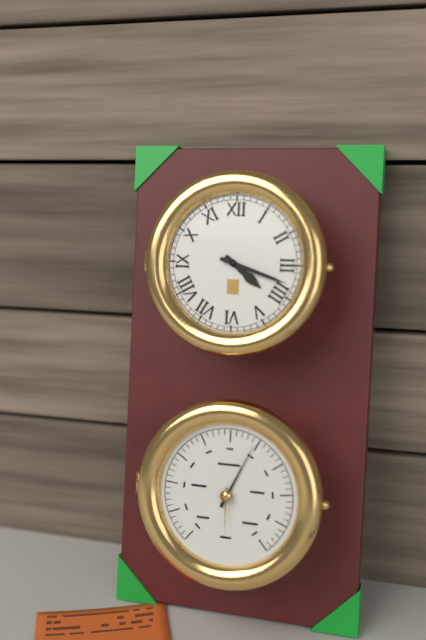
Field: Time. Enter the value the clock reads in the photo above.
4:18
